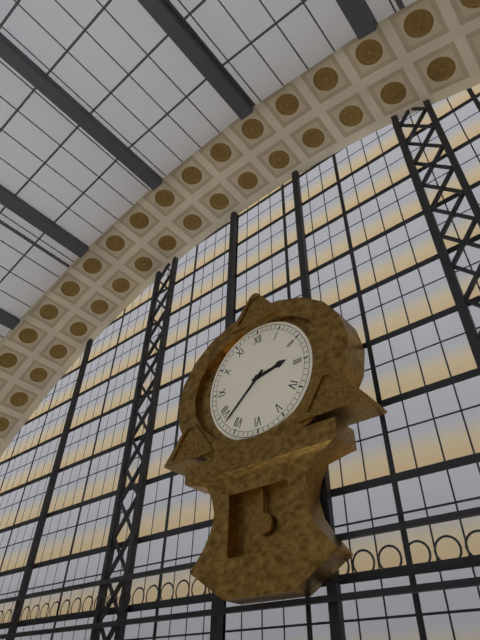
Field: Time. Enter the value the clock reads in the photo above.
2:38
